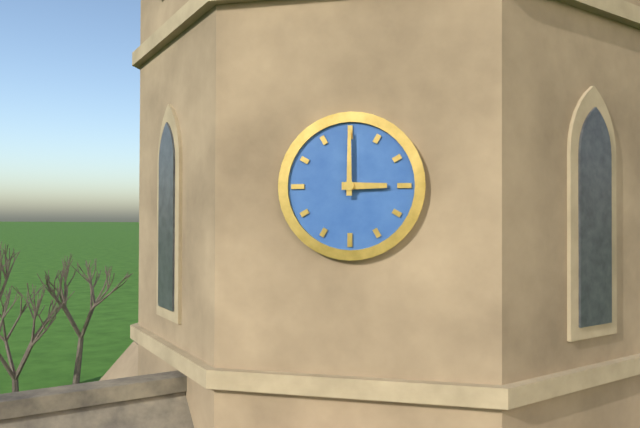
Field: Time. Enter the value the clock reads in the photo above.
3:00
